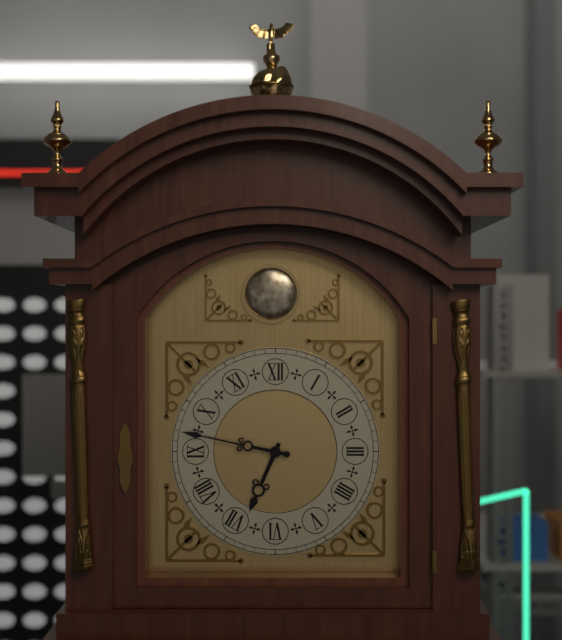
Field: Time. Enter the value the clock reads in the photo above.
6:47
